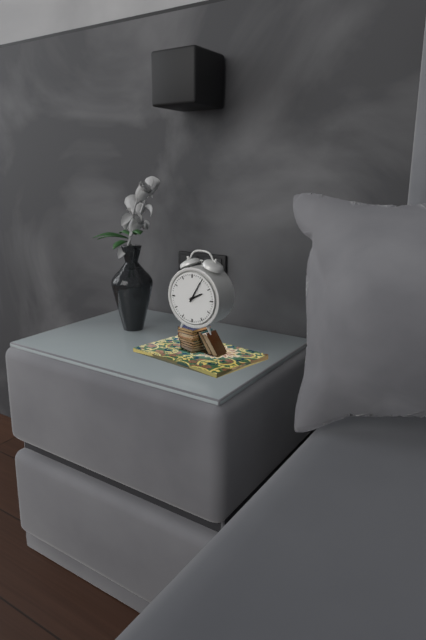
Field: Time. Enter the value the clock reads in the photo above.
2:05
